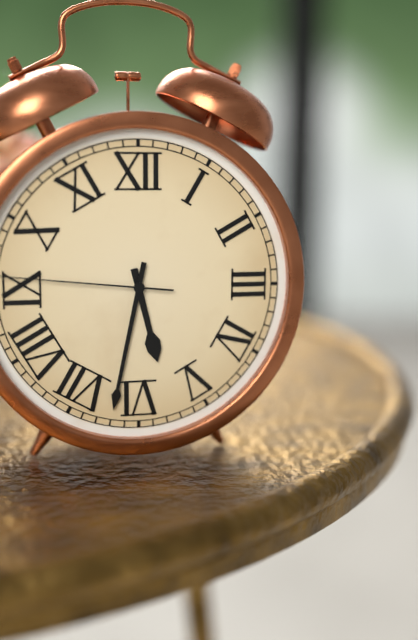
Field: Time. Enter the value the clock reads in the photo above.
5:32
